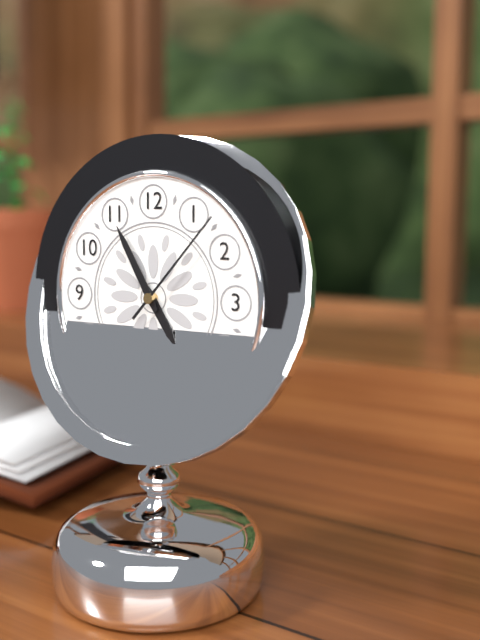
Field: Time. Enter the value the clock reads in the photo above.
4:55:07
